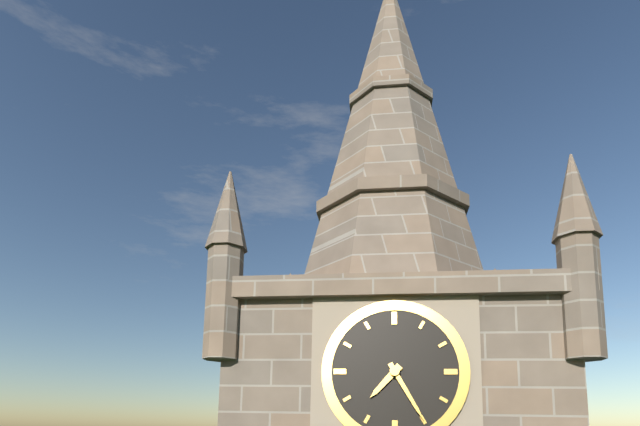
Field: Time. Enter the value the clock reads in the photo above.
7:25
